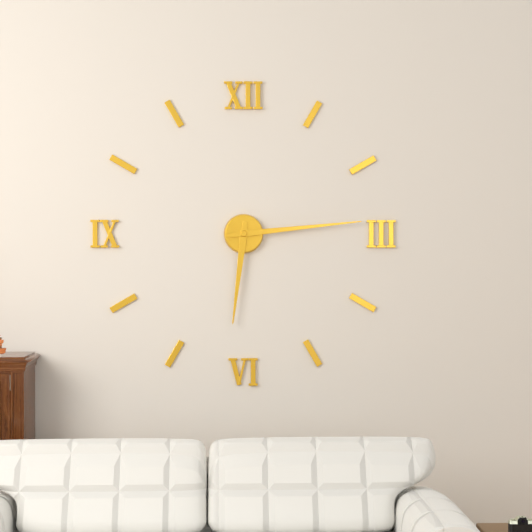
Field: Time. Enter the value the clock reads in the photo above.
6:14
